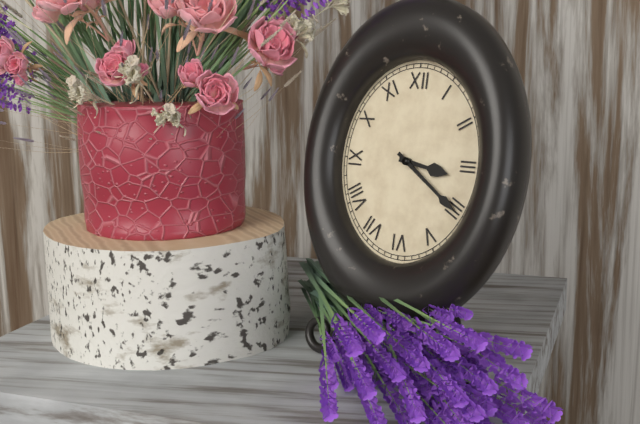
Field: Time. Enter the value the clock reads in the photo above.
3:21
